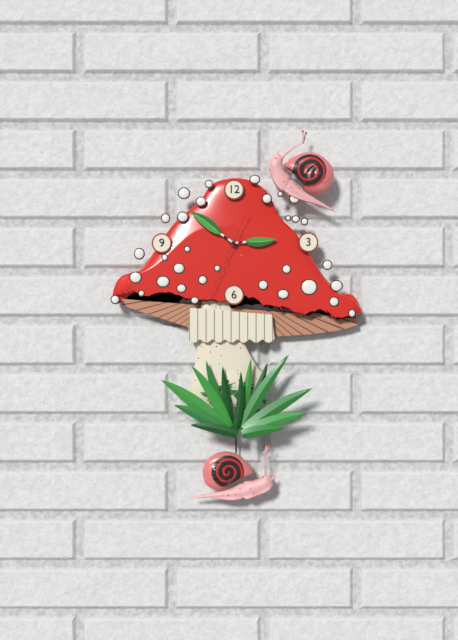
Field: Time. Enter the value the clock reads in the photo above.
2:51:34
